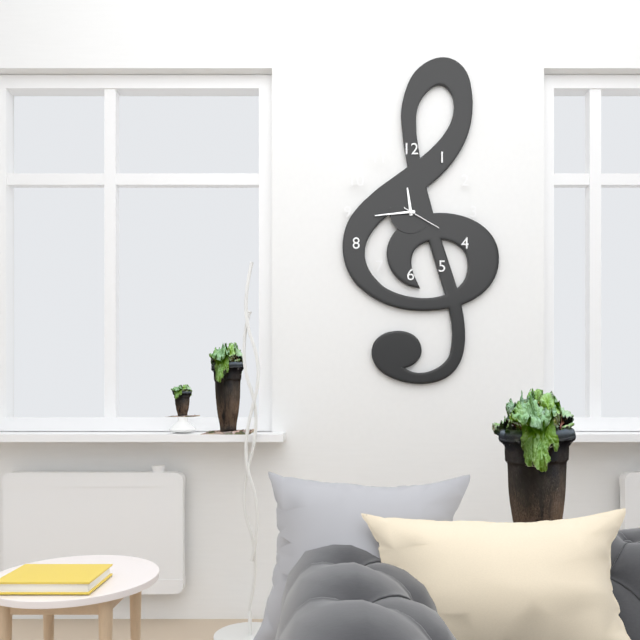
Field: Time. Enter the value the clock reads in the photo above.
11:44
